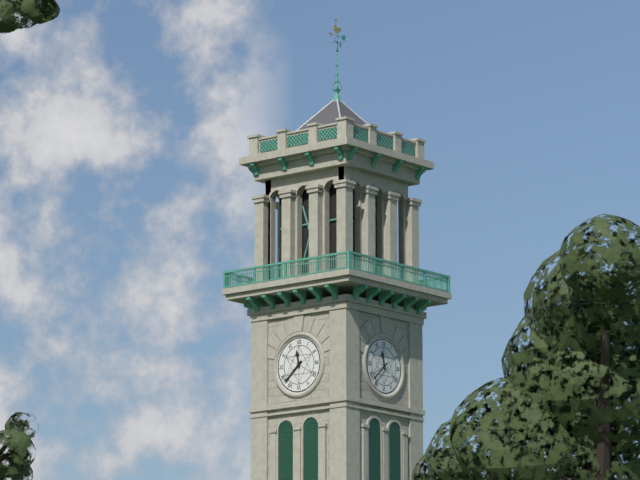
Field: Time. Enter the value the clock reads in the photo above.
11:38
